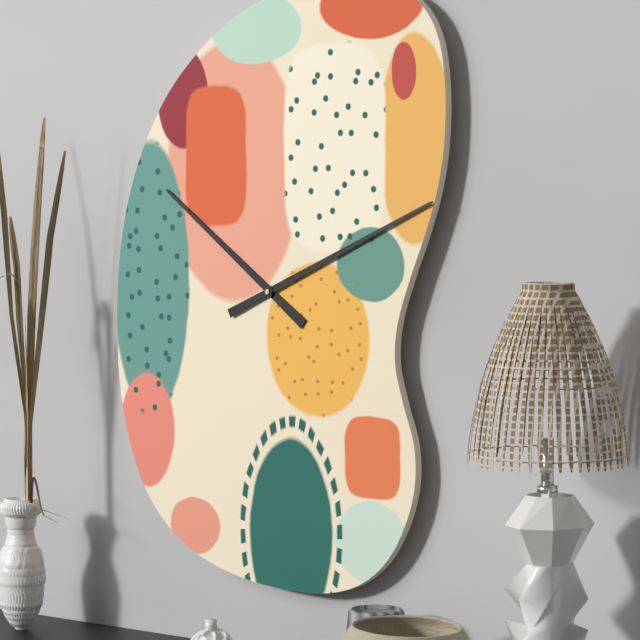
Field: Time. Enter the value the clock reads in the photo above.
10:11
